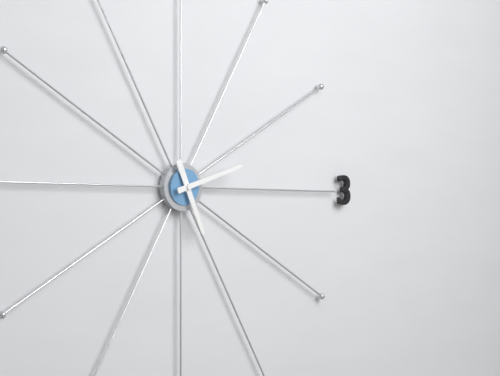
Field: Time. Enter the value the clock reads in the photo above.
5:12
